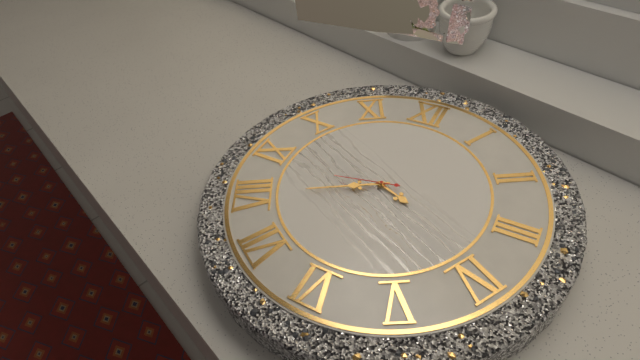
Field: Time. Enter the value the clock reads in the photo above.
3:40:43
